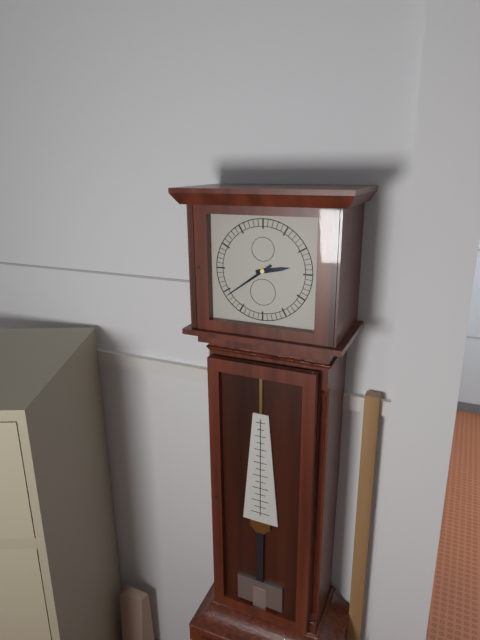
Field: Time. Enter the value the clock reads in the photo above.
2:39
